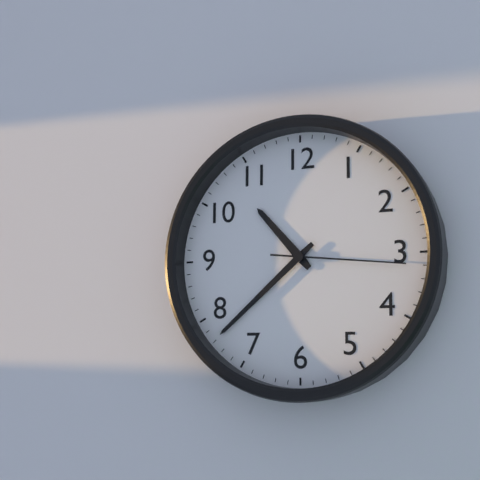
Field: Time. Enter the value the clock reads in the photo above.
10:38:16
